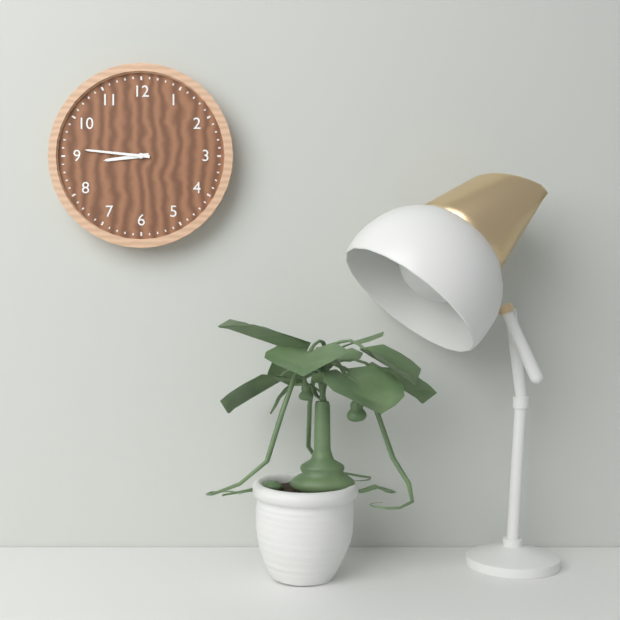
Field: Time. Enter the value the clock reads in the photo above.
8:46
